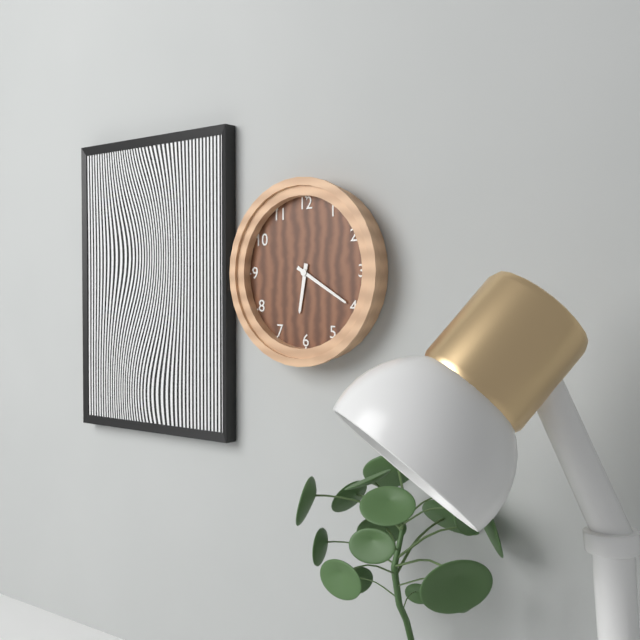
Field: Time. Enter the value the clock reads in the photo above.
6:20
